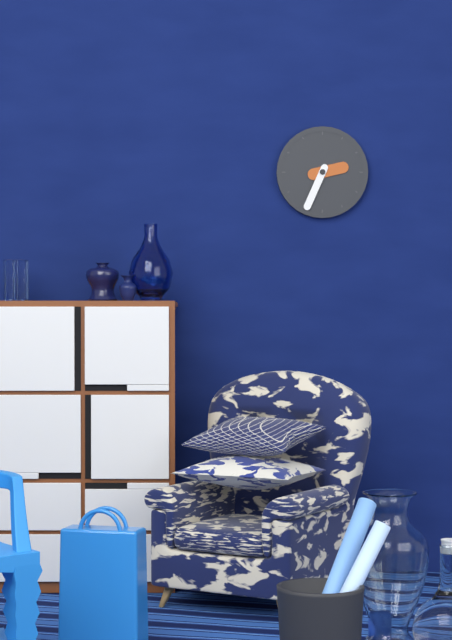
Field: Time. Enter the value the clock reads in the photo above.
2:34
